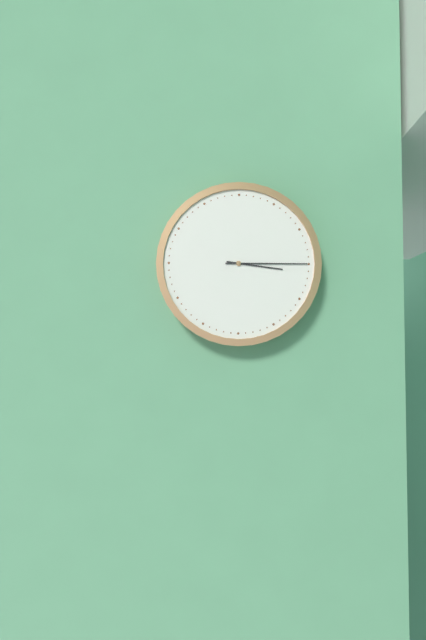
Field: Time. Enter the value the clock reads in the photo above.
3:15
